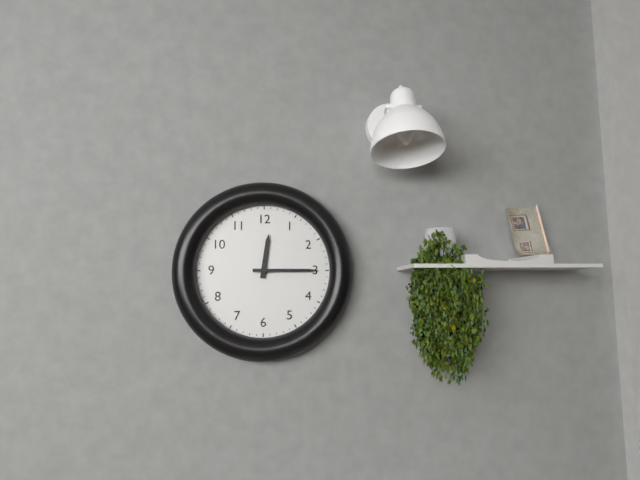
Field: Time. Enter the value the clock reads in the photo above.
12:15
